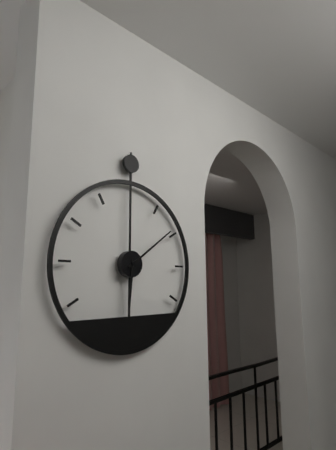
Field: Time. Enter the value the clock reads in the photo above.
6:09
